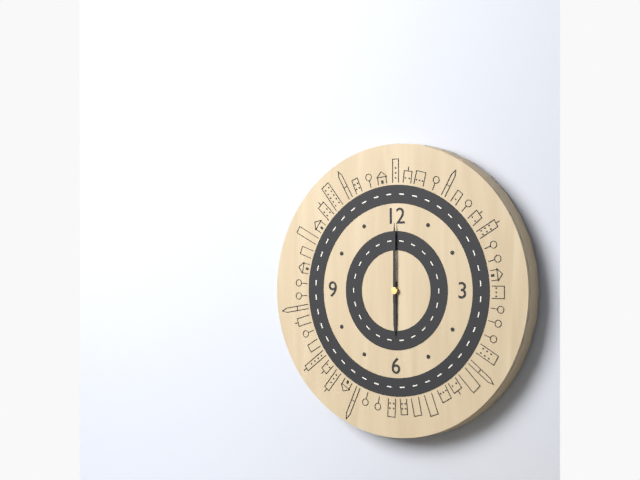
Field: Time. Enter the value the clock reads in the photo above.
6:00
